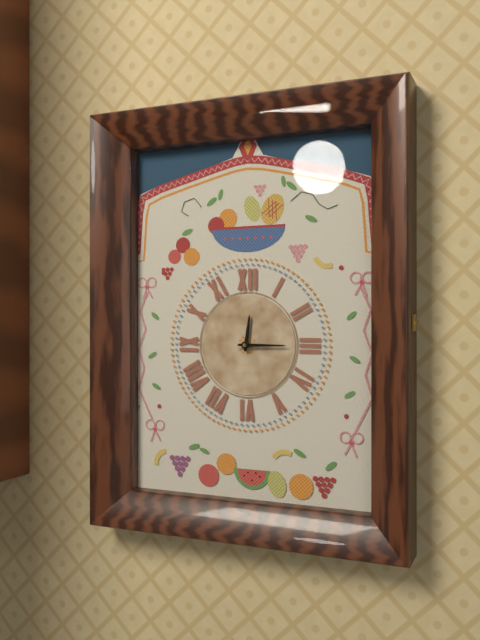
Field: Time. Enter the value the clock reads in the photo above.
12:15
